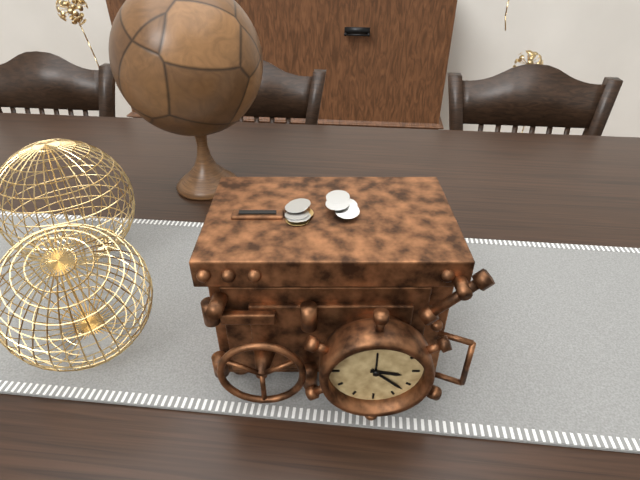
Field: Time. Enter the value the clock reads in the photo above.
3:22
